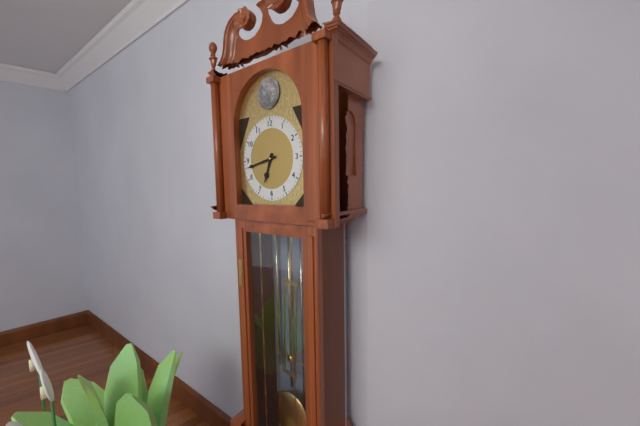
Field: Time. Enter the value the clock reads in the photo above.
6:43
